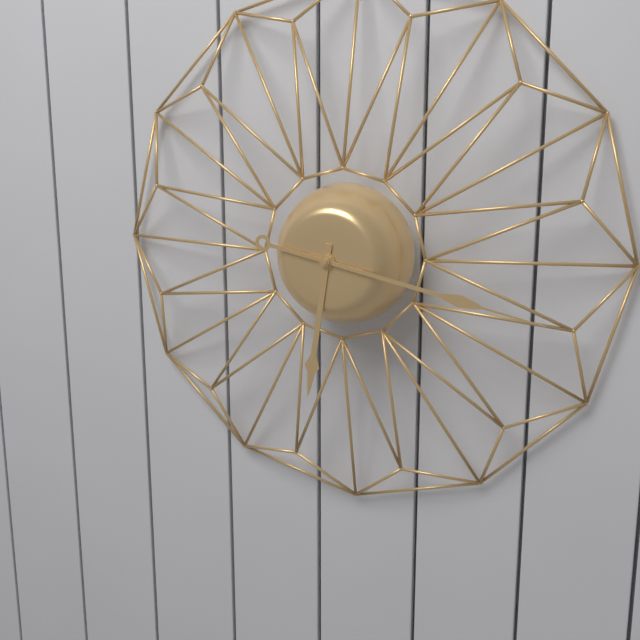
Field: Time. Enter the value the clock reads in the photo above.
6:17
